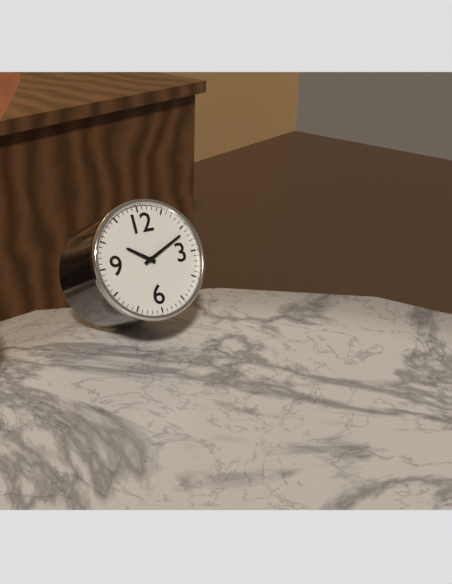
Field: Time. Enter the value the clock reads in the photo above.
10:11
